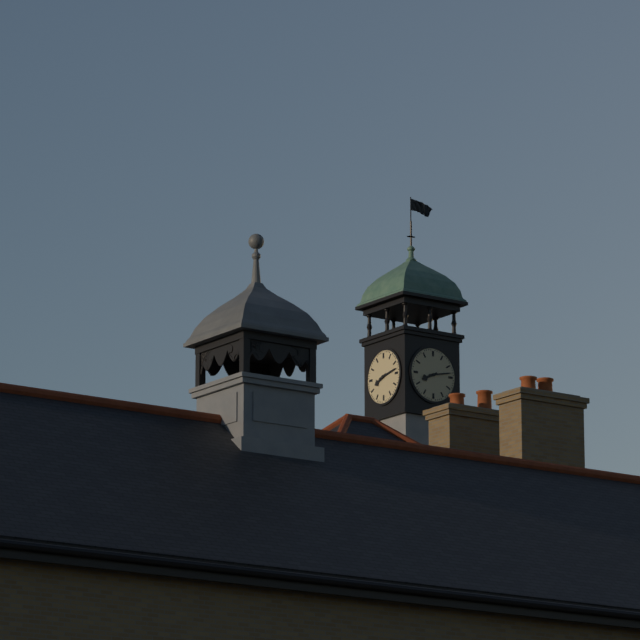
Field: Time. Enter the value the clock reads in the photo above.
8:13
